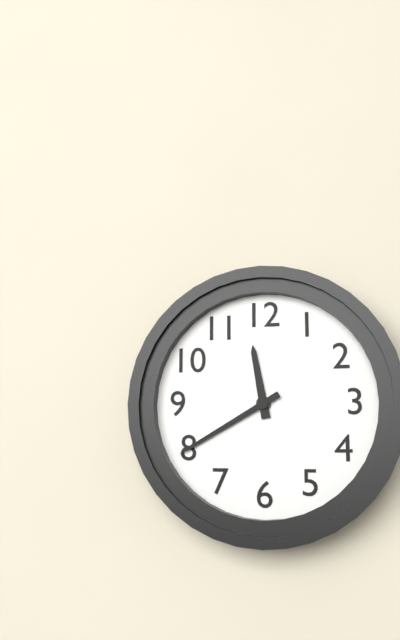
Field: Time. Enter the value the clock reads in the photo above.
11:40
